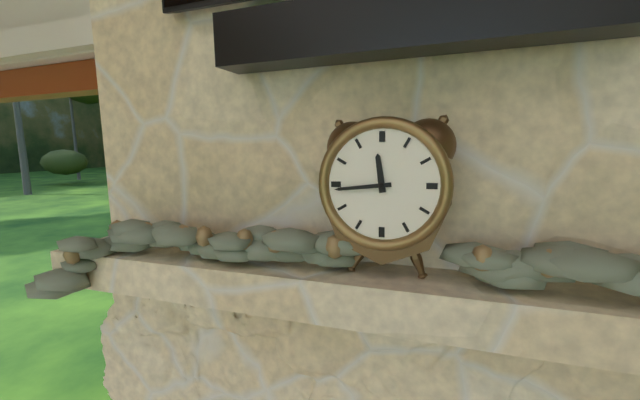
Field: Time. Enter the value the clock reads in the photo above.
11:44
